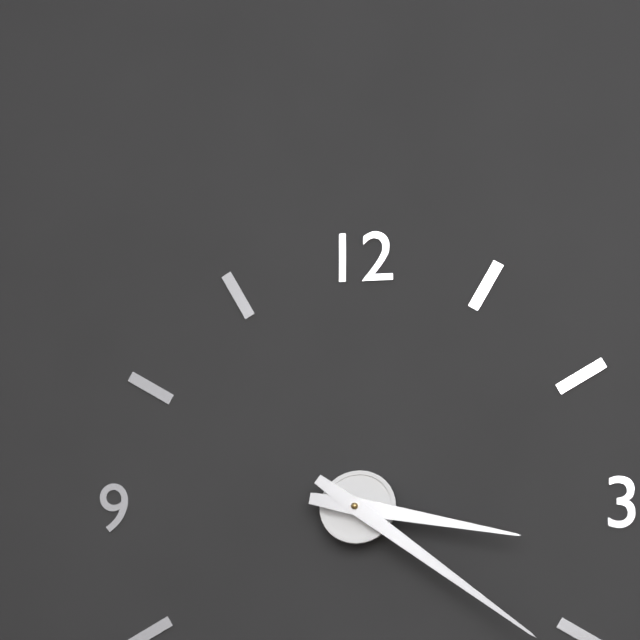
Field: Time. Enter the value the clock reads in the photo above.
3:21
